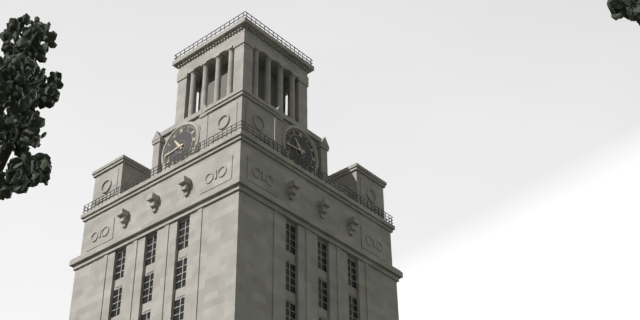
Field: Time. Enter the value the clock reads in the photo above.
10:44
